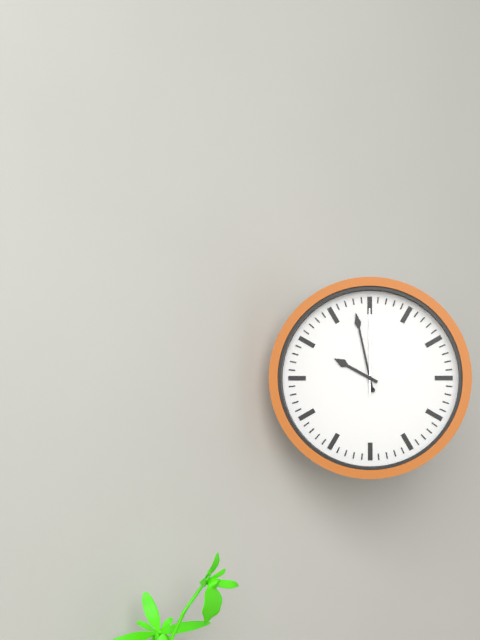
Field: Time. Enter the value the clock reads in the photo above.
9:58:00
